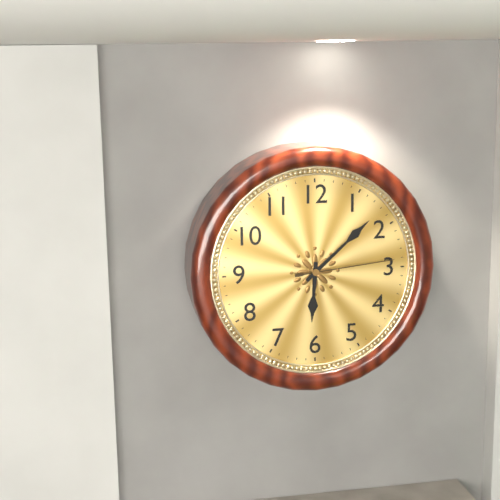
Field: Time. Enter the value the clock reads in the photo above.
6:08:14
